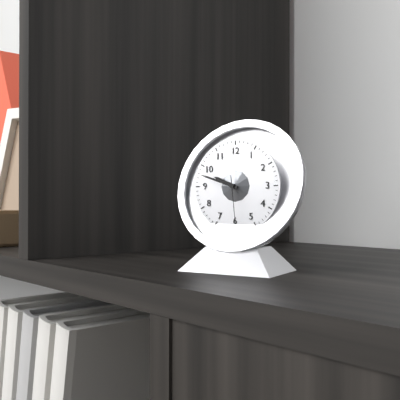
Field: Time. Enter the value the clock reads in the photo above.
9:48:29
